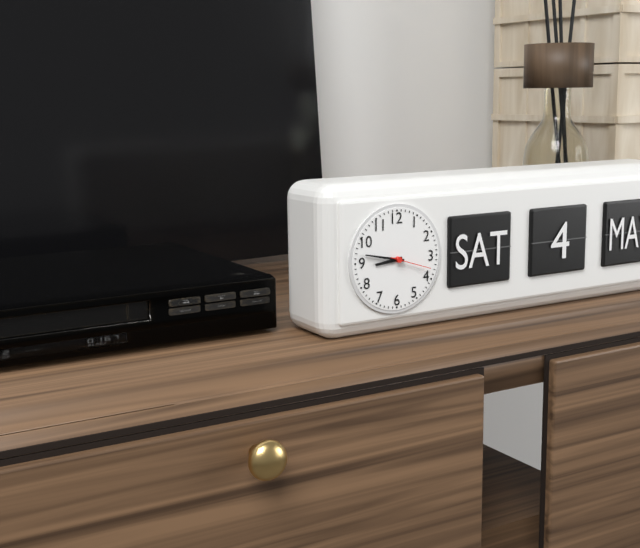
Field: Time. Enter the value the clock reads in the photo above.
8:47
